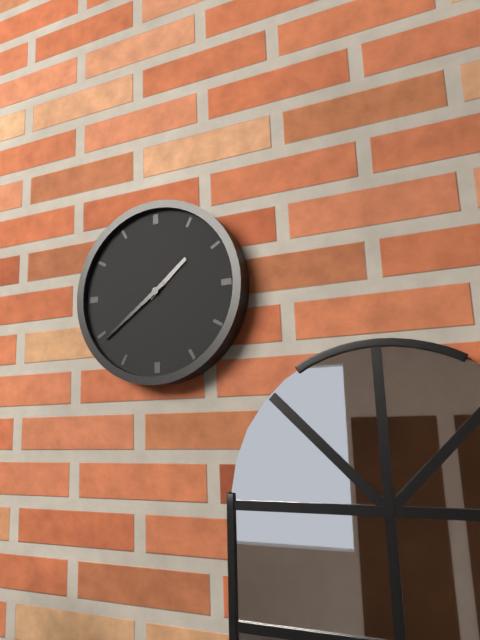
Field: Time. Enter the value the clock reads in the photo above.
1:39
